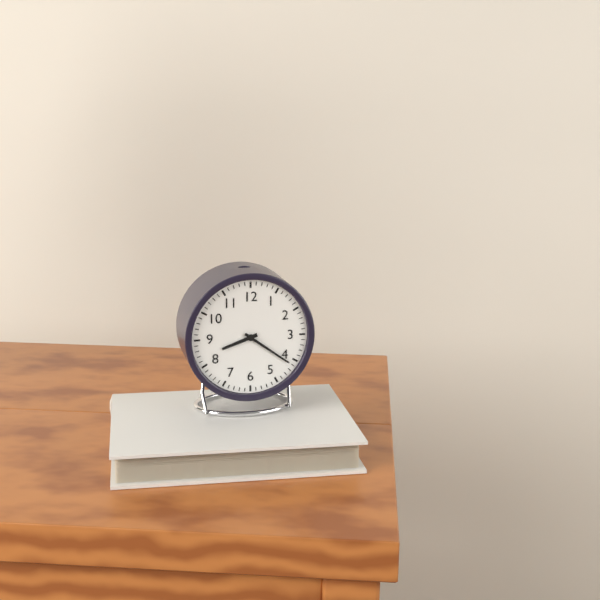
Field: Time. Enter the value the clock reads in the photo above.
8:21
